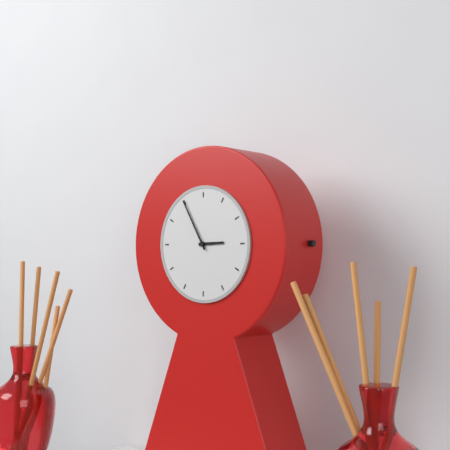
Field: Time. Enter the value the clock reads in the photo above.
2:55
